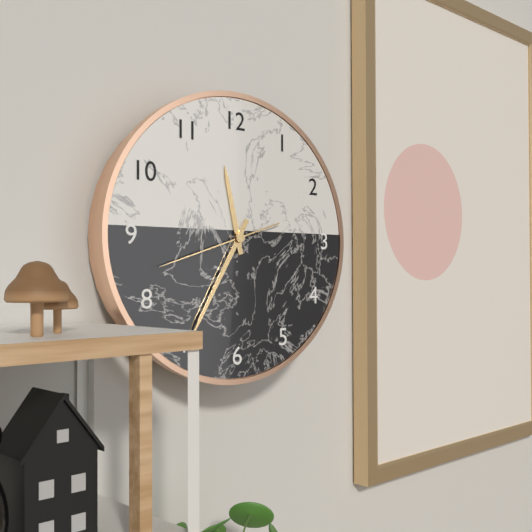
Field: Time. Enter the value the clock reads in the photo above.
11:35:42
